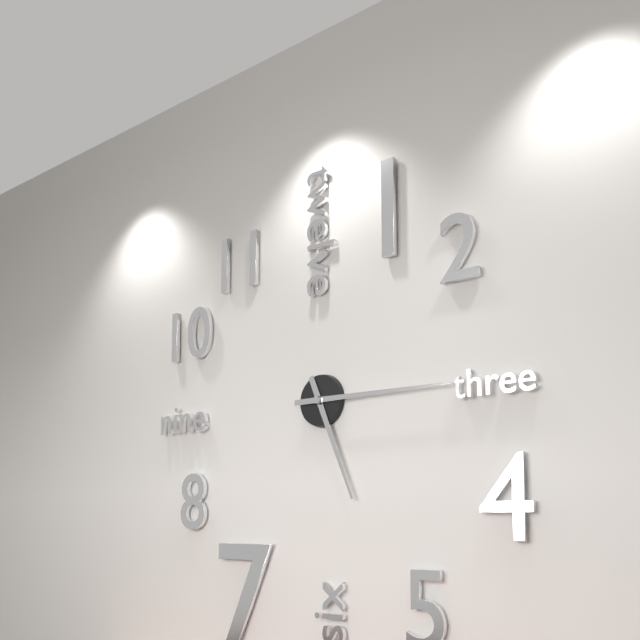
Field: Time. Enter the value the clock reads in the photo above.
5:15
